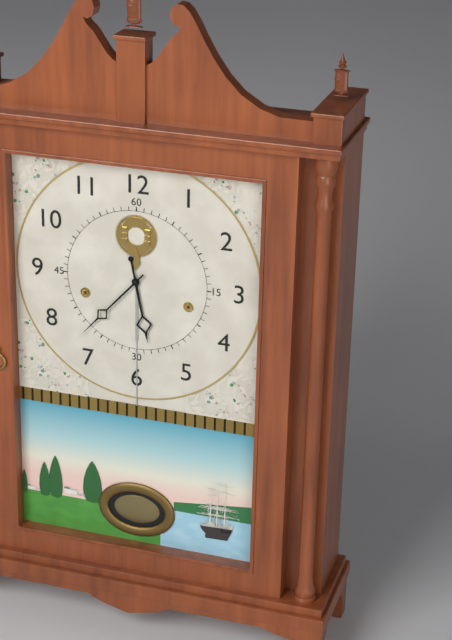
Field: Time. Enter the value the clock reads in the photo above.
5:37
